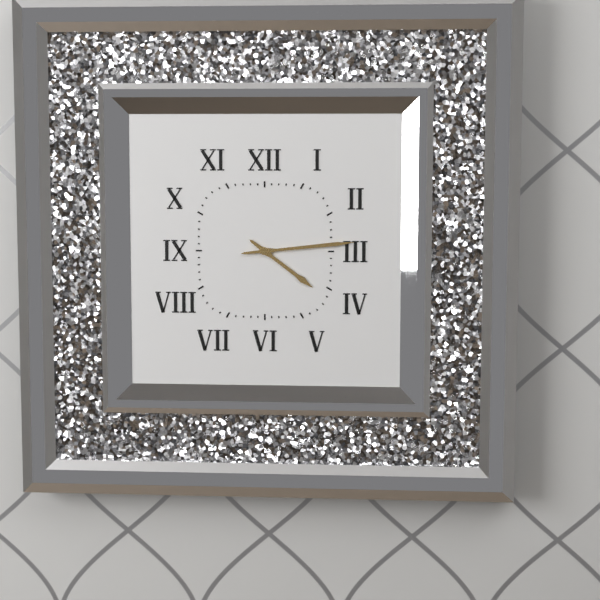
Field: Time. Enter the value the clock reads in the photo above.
4:14
